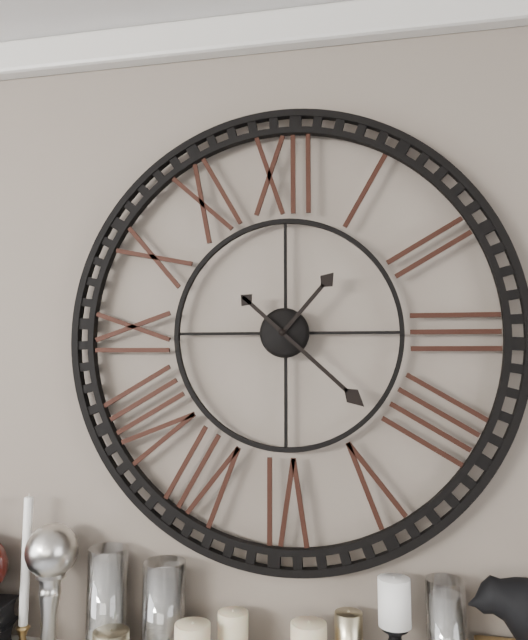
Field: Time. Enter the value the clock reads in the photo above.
1:22
